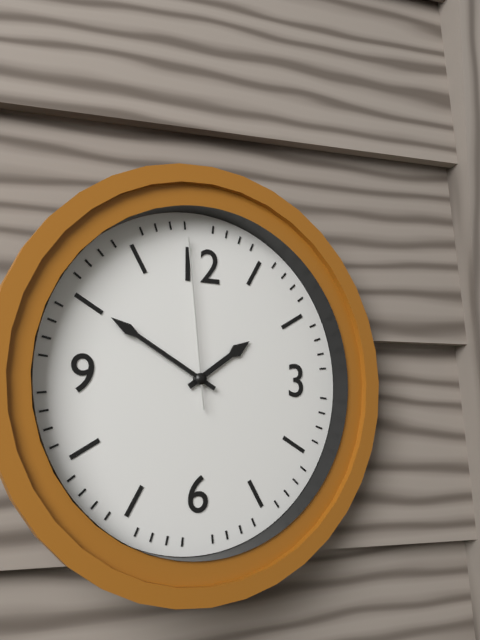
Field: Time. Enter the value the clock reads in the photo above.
1:50:59
